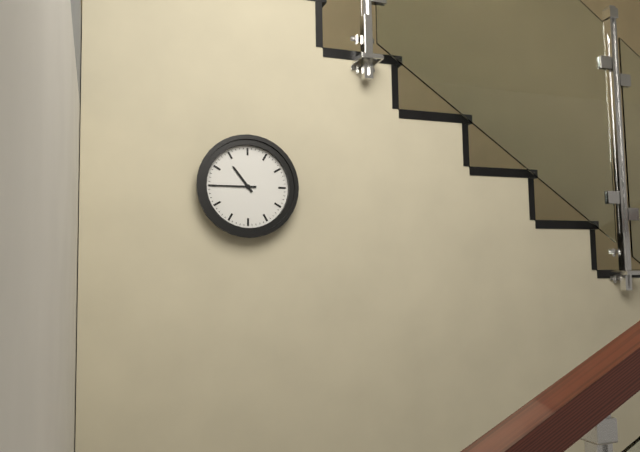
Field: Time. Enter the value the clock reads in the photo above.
10:45
